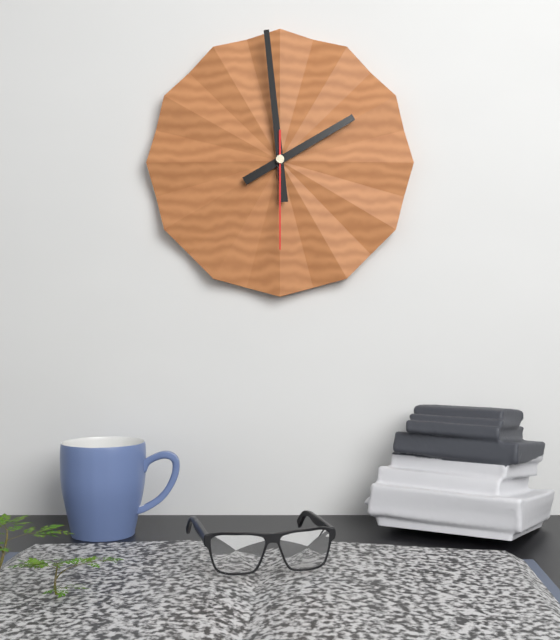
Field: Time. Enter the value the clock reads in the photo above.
1:59:30
